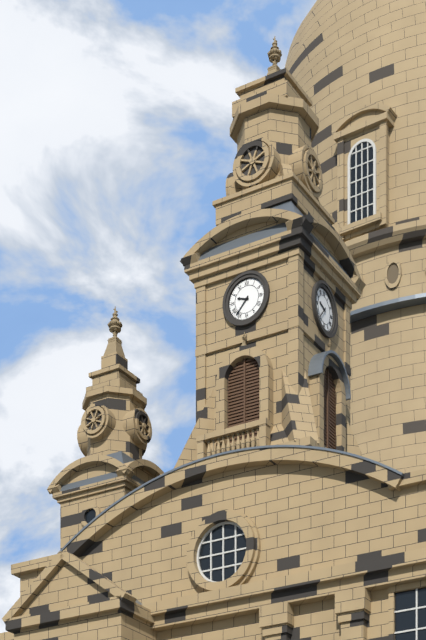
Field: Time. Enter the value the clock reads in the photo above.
9:37
